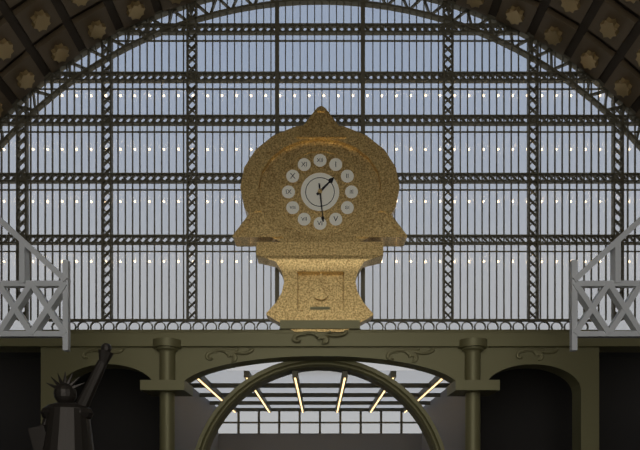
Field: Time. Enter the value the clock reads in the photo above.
1:29
